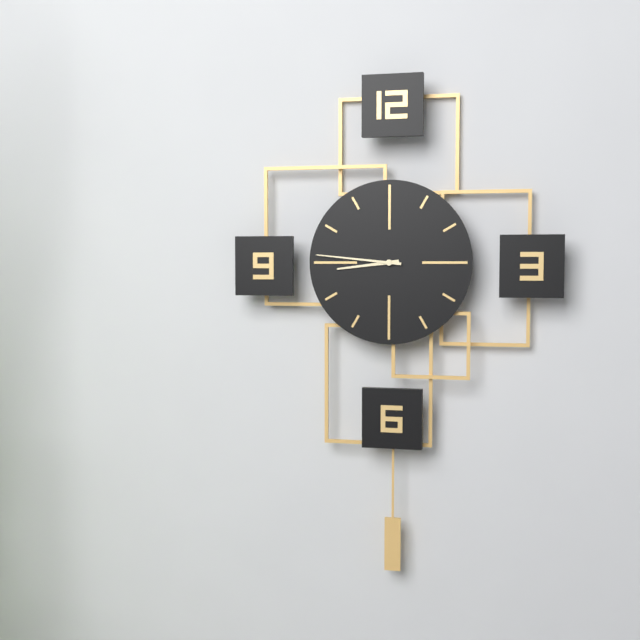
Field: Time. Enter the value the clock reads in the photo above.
8:46
